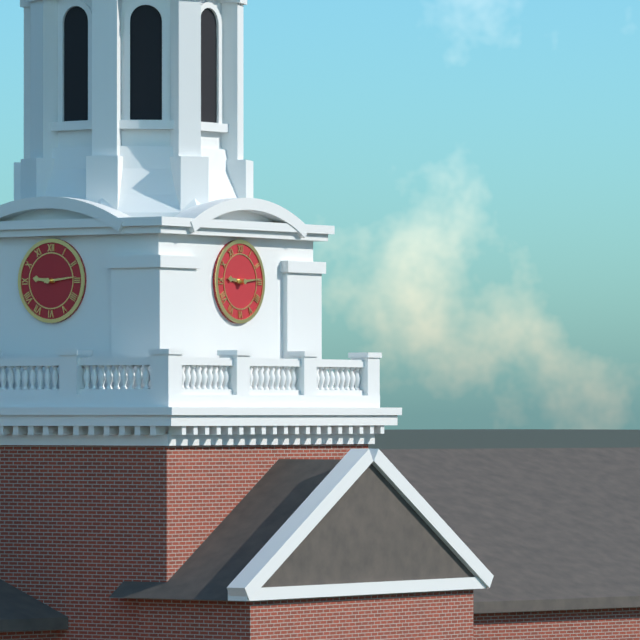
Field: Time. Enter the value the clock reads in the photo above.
9:14
